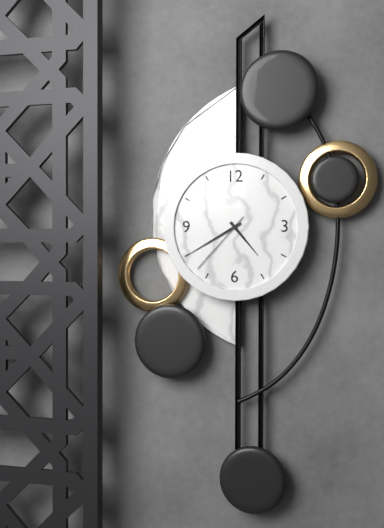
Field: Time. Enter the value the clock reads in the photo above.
4:40:37
